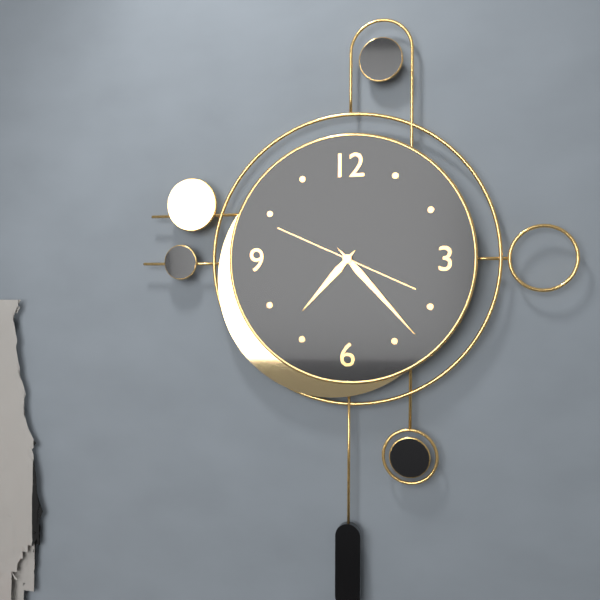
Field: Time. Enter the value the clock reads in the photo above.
7:23:49
